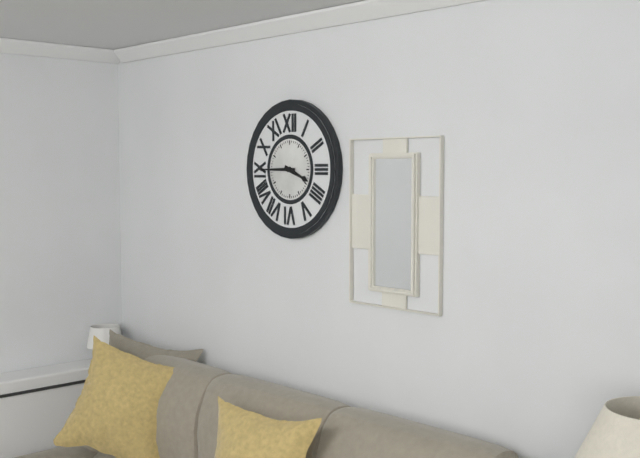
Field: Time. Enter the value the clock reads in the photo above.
3:45
